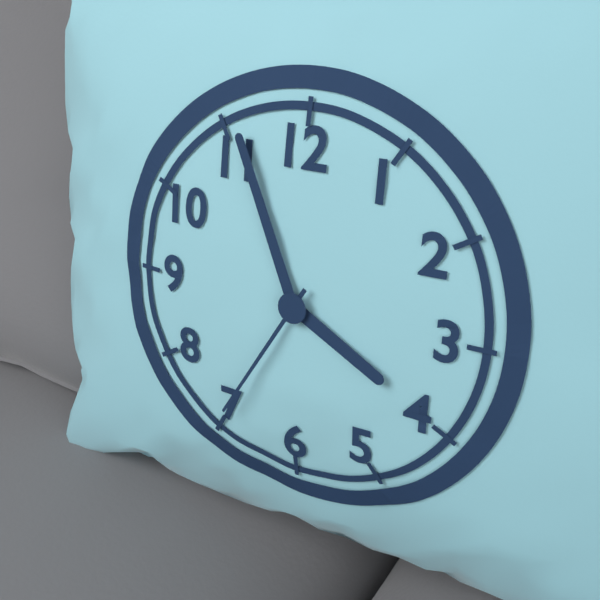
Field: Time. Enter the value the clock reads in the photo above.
3:56:35
